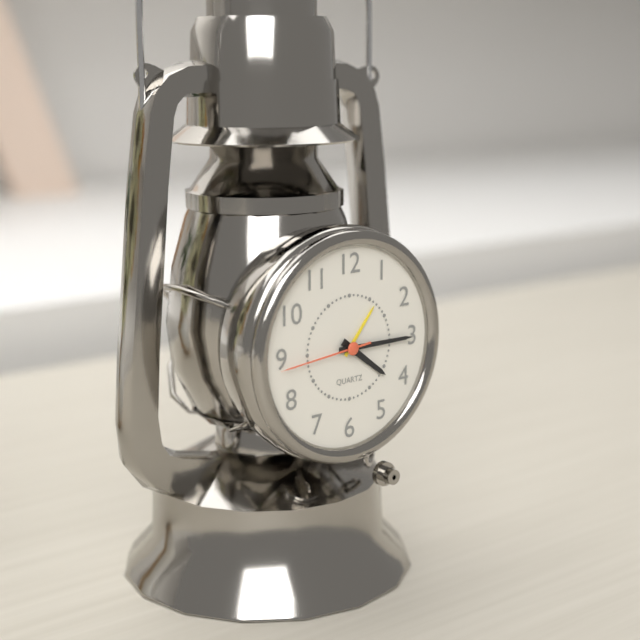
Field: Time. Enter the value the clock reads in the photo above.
4:15:44
